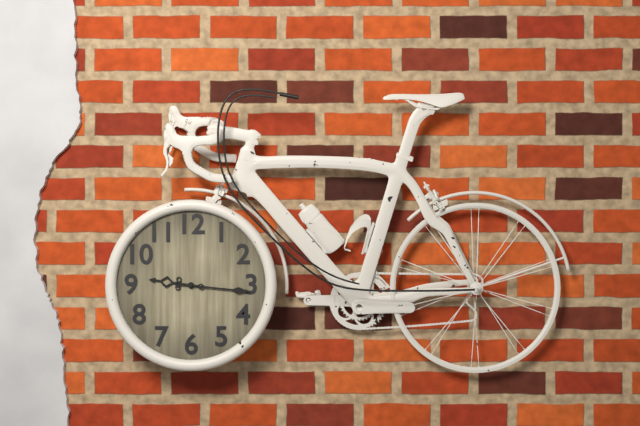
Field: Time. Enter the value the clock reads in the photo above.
9:16
